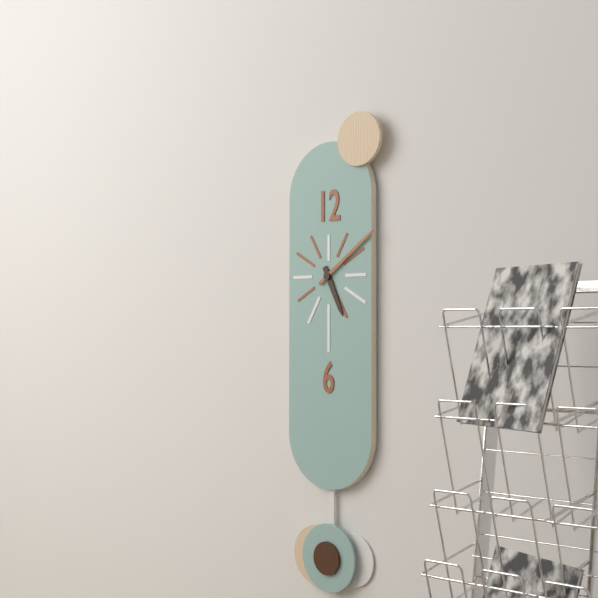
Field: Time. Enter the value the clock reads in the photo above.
5:09
